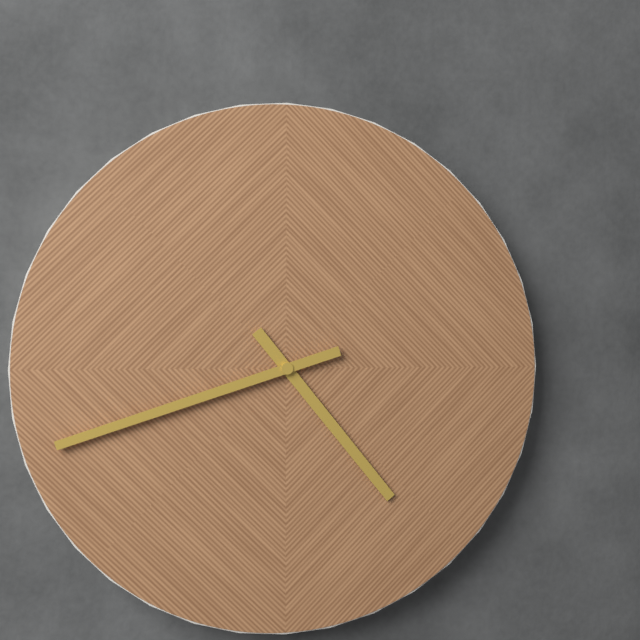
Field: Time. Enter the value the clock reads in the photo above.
4:42
